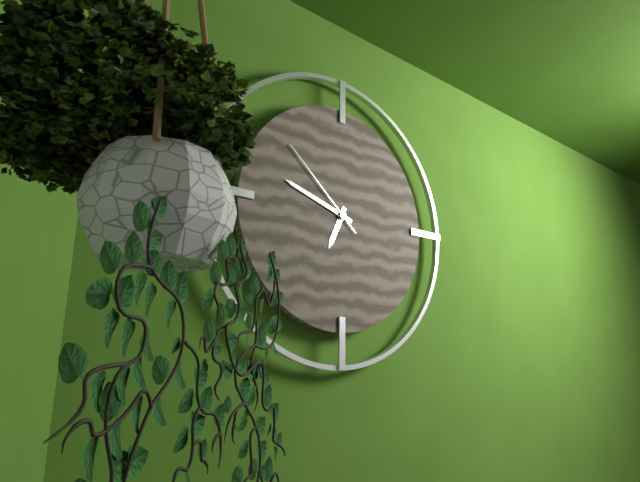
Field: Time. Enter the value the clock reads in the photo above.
6:48:52
